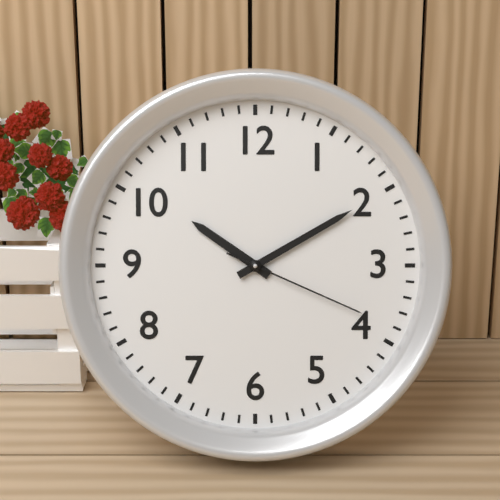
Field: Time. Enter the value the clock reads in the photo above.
10:10:19
